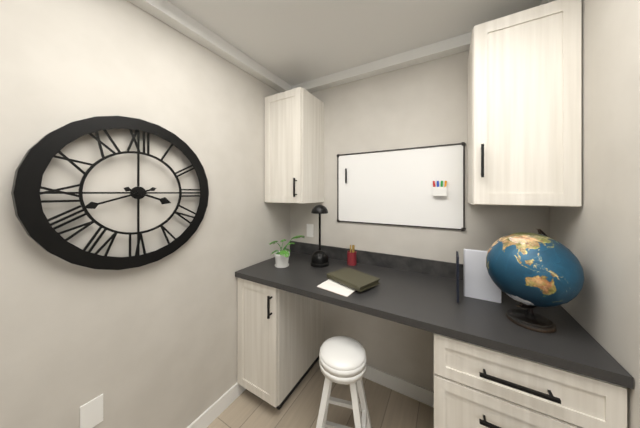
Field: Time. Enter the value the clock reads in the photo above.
3:42
